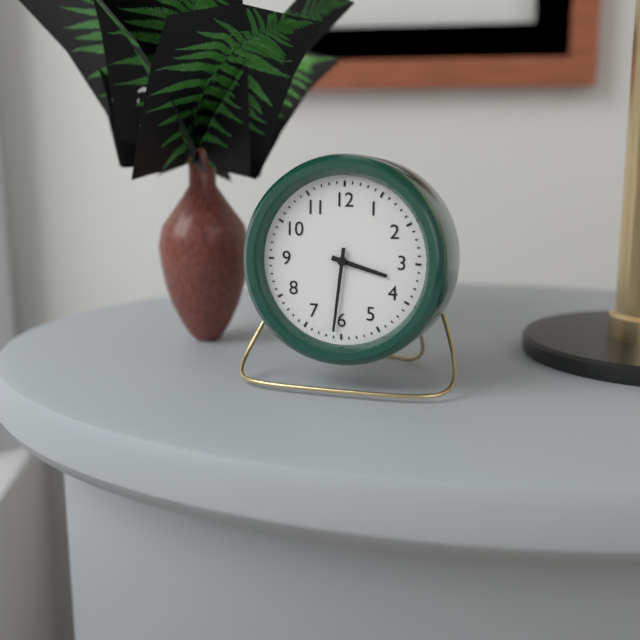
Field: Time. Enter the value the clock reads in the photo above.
3:31
